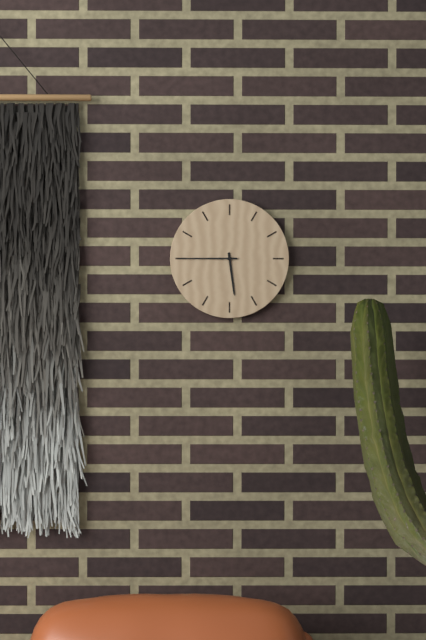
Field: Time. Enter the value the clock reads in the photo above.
5:45
